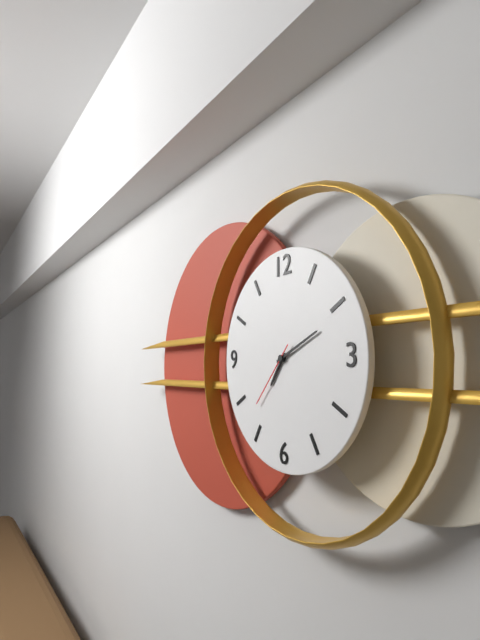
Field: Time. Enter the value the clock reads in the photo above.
7:11:37
